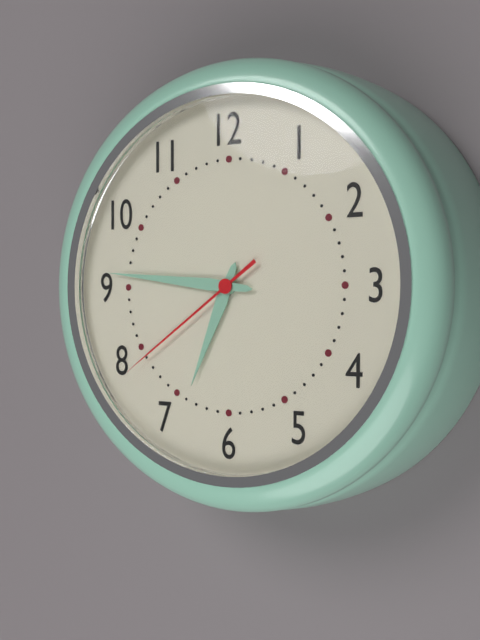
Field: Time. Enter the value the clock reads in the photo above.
6:46:39
